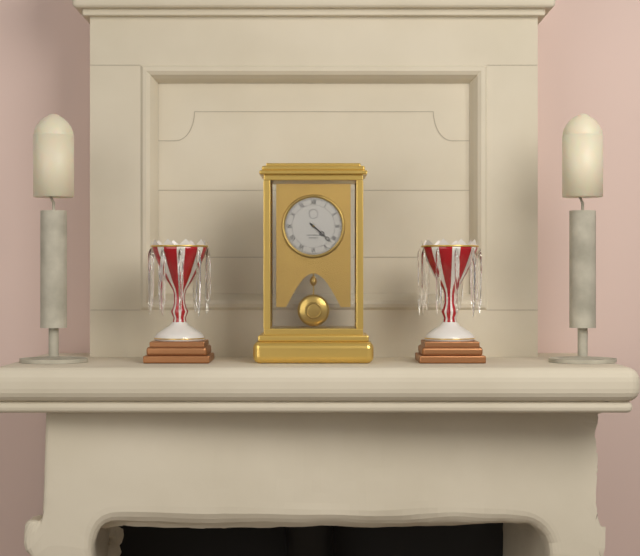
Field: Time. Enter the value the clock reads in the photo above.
4:22
